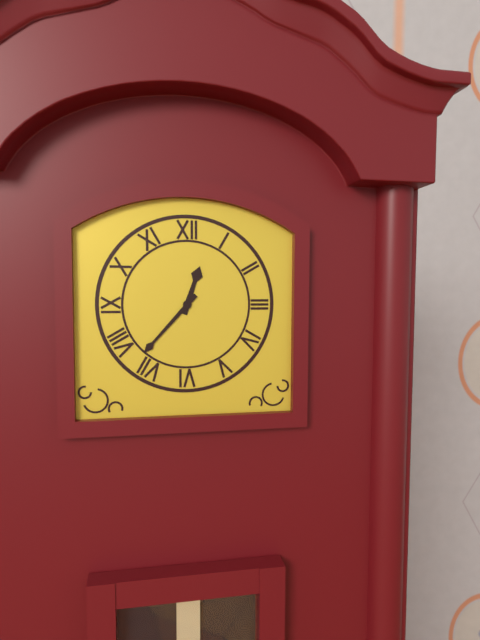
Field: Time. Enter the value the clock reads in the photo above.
12:37
